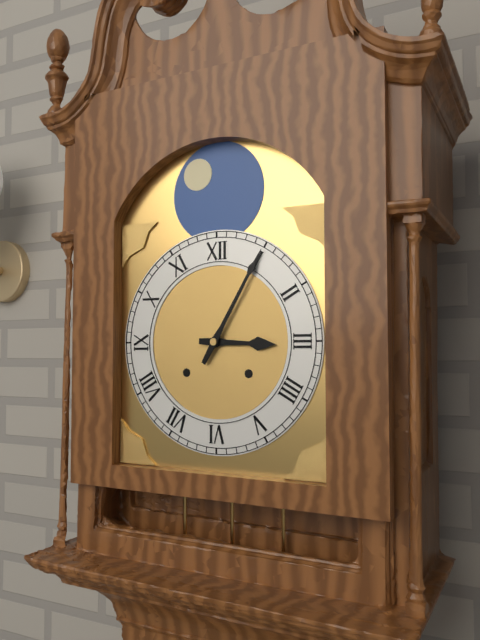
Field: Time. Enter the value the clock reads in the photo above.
3:05
